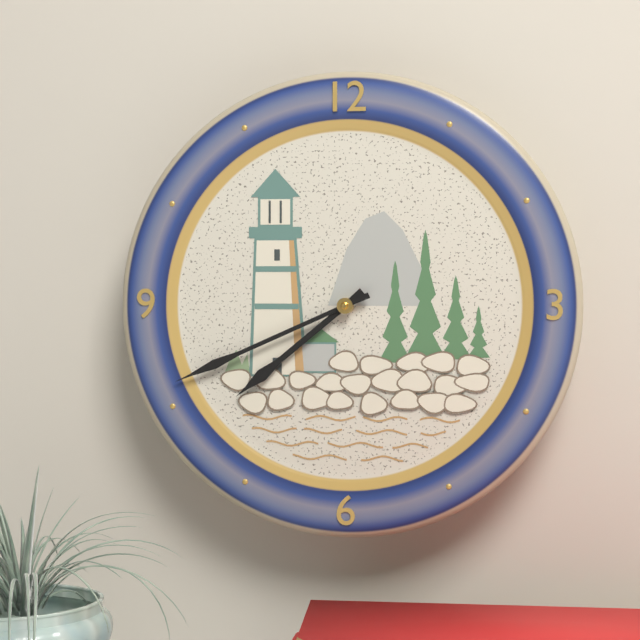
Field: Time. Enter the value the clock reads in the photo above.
7:41
